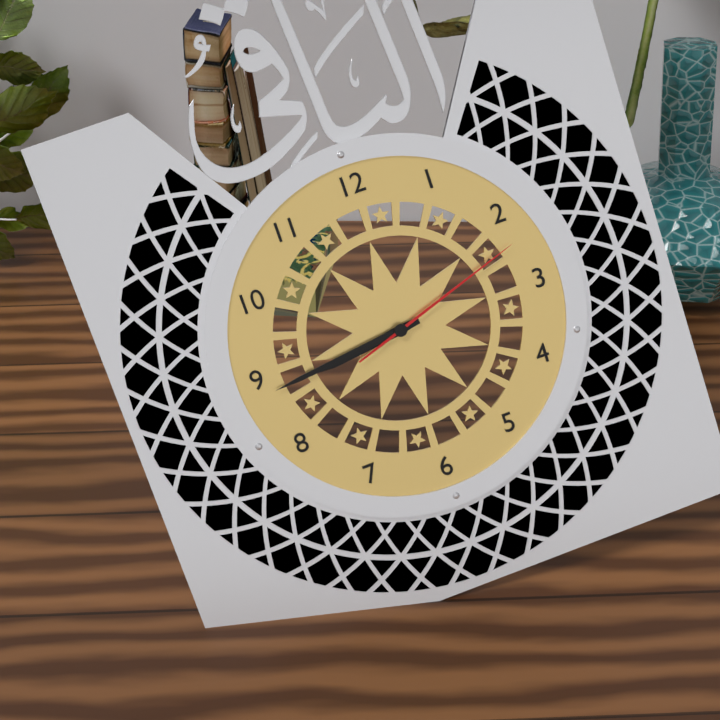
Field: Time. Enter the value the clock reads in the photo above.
8:44:12
